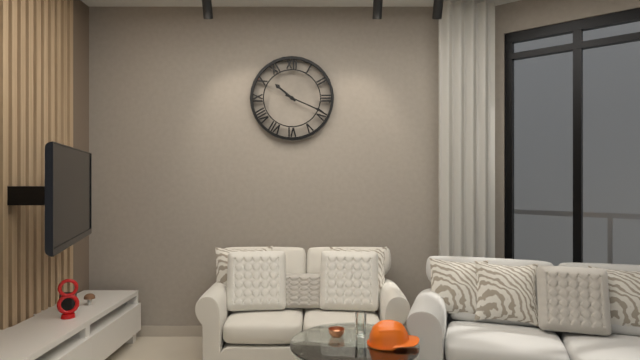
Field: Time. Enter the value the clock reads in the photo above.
10:19
